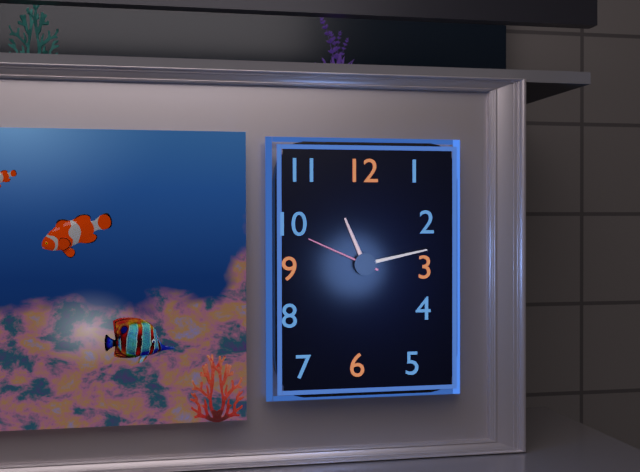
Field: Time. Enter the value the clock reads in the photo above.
11:13:49
